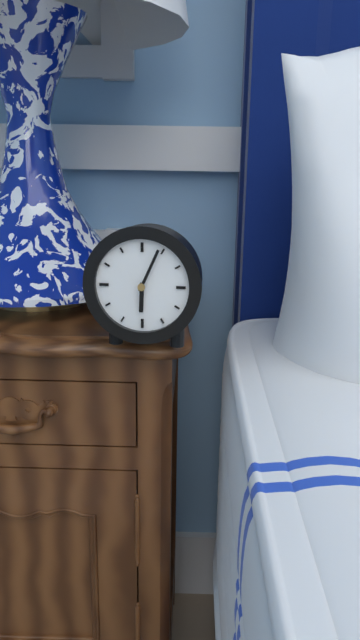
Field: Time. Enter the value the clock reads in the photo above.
6:04
